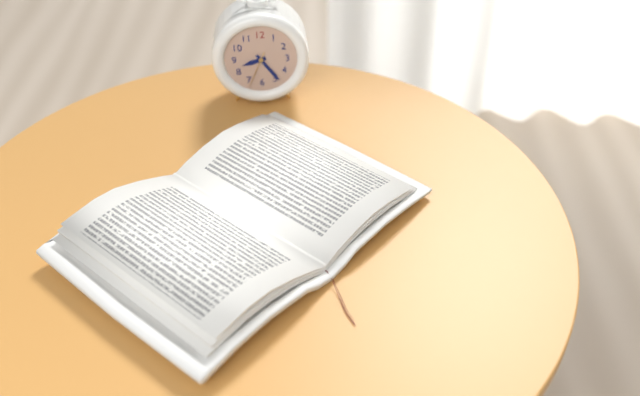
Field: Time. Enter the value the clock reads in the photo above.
8:24
